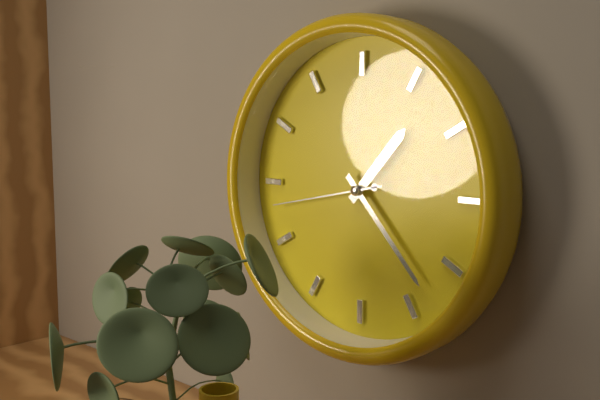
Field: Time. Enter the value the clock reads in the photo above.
1:23:43
